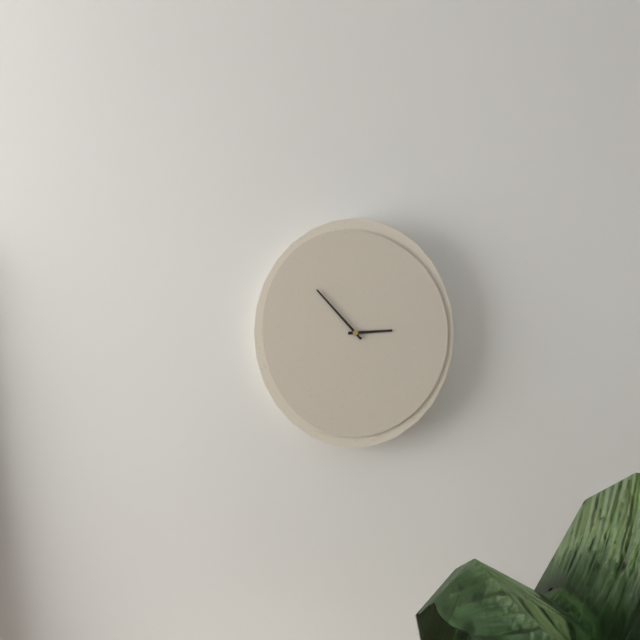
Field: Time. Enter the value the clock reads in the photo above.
2:53
